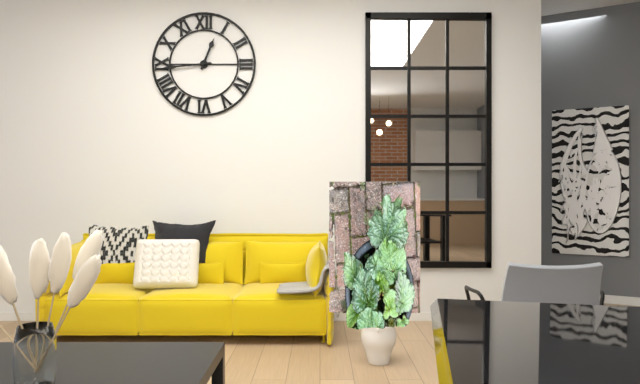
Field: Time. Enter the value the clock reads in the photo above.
12:44
